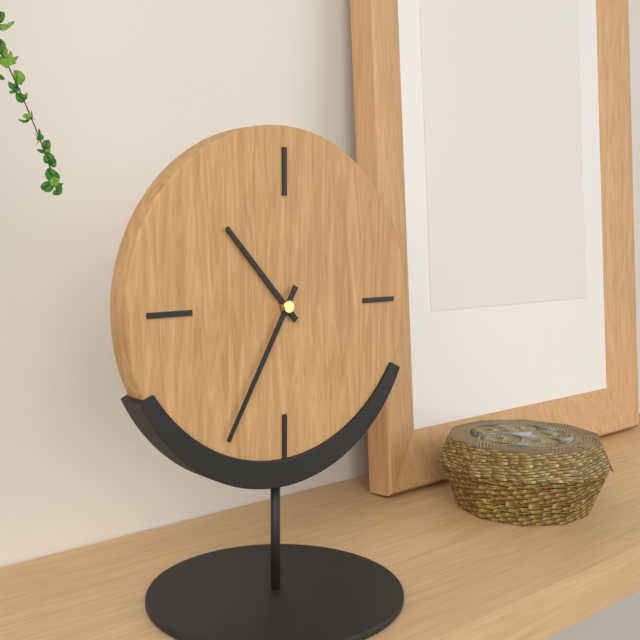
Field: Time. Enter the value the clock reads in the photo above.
10:35
